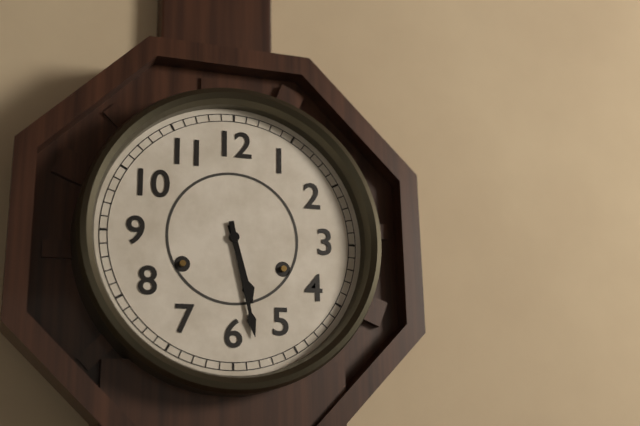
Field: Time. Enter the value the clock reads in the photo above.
5:28
